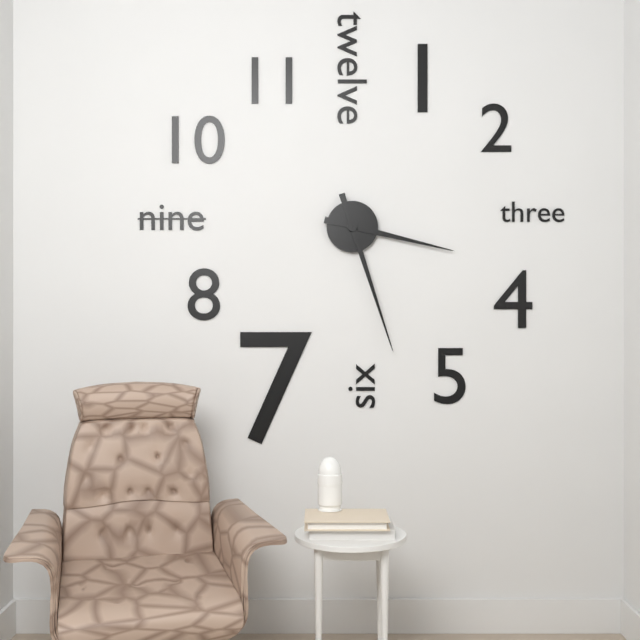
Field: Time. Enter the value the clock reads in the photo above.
3:27
